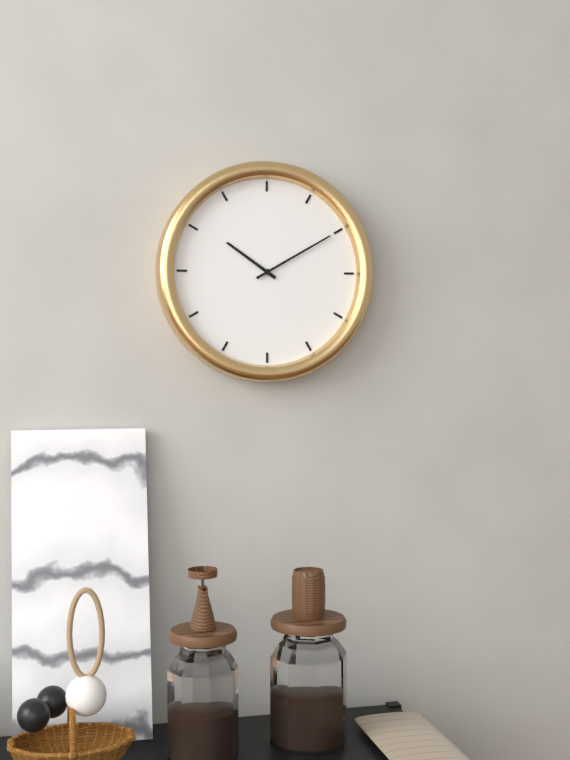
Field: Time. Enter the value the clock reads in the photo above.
10:10
